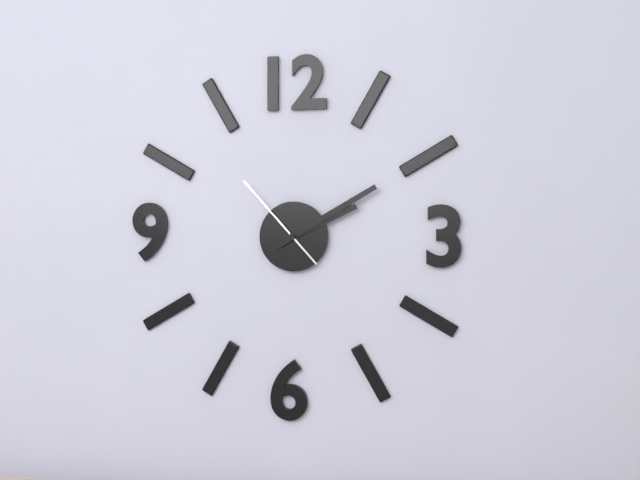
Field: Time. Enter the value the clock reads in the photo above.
2:10:53
